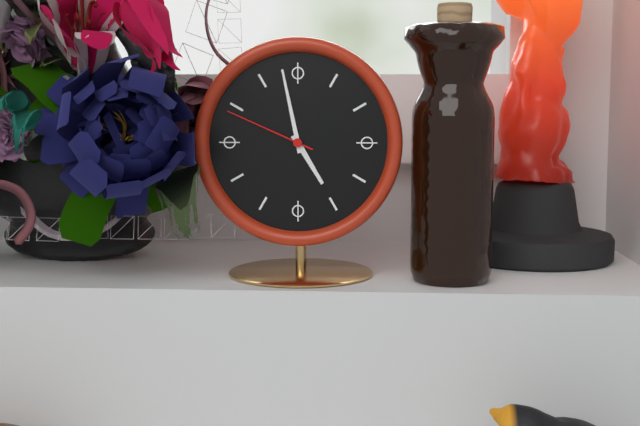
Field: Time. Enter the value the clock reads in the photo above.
4:58:49
